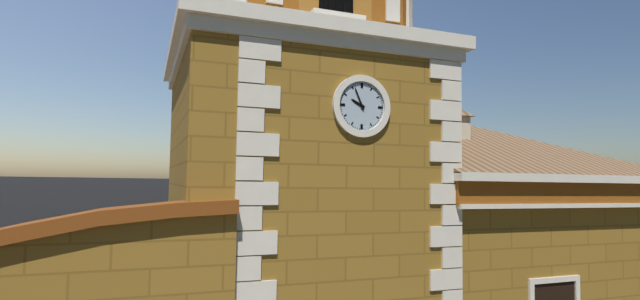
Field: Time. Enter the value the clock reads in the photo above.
9:56
